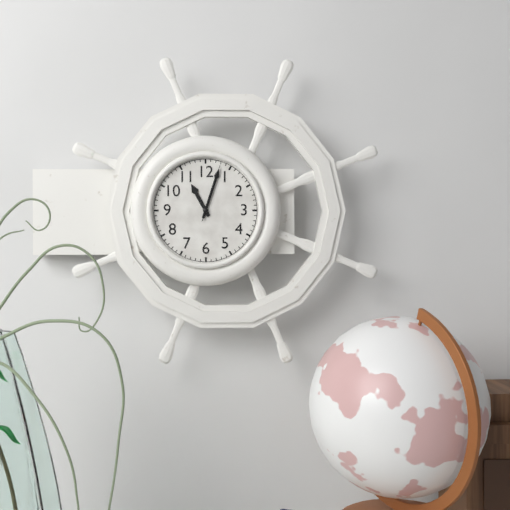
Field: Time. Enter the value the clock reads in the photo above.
11:03:03
